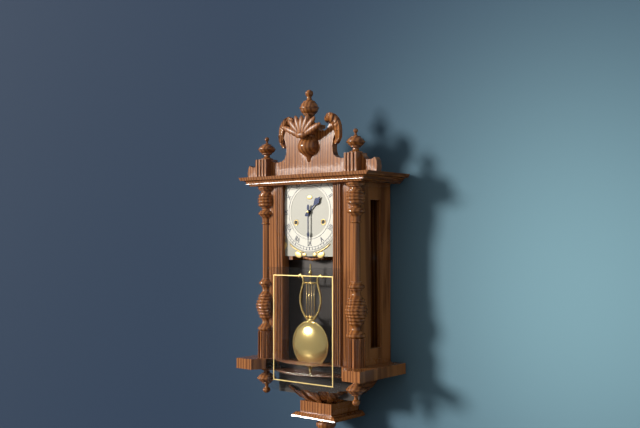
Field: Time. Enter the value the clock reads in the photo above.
1:30
